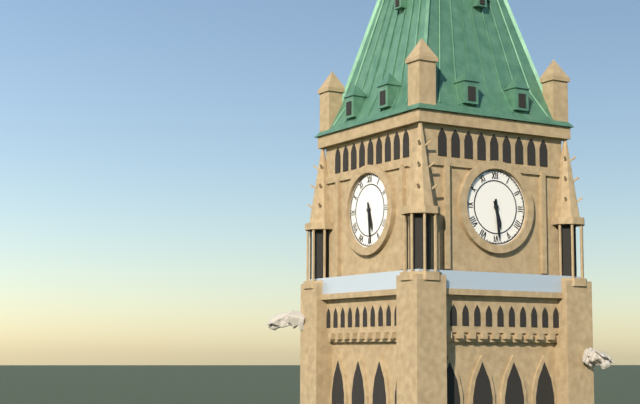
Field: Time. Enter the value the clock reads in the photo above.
5:29
